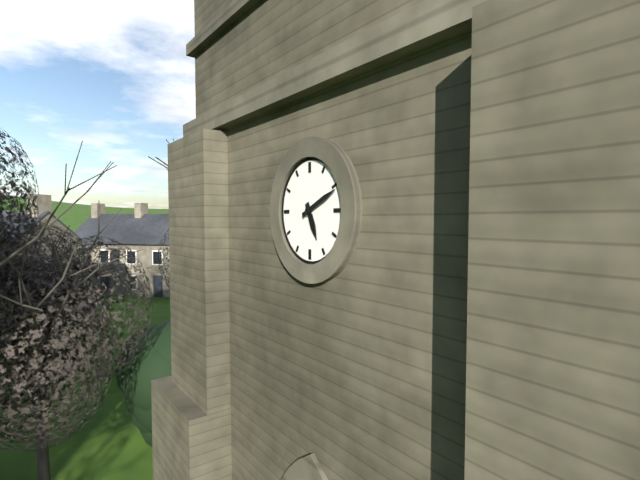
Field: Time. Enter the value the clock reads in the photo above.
5:11
